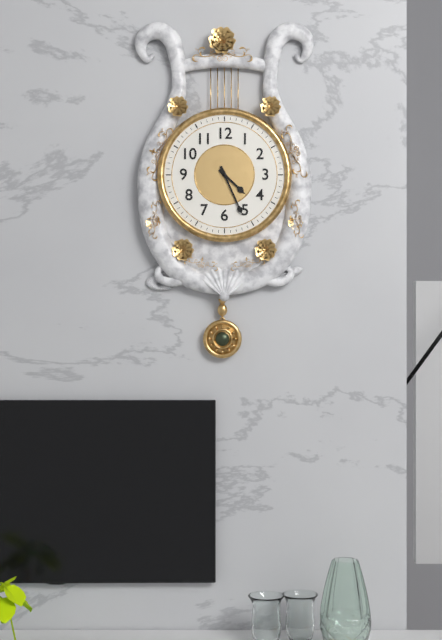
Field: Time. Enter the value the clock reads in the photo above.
4:26
